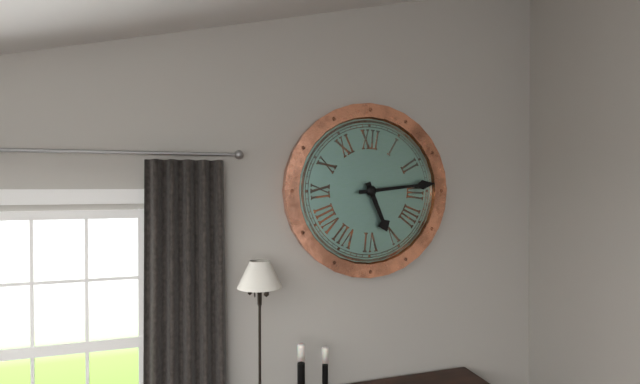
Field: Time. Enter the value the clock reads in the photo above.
5:14
